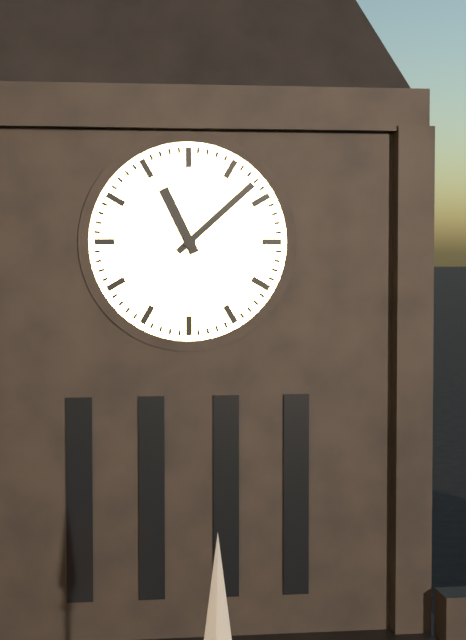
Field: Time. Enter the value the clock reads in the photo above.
11:08
